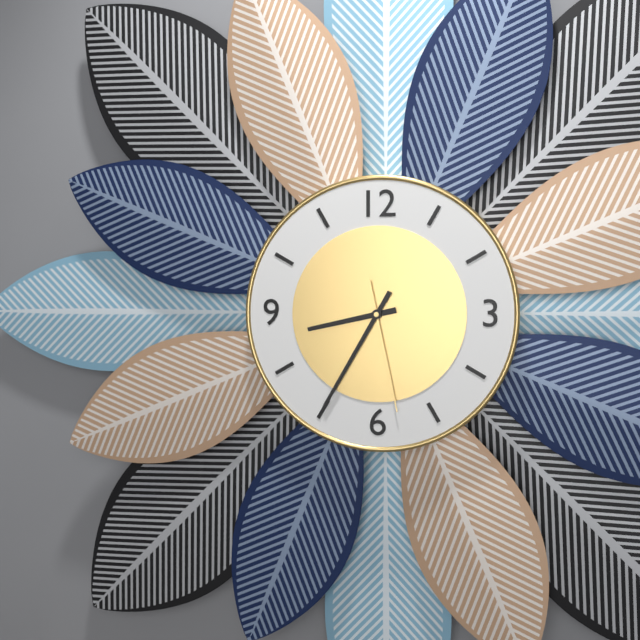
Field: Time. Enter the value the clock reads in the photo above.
8:35:28
